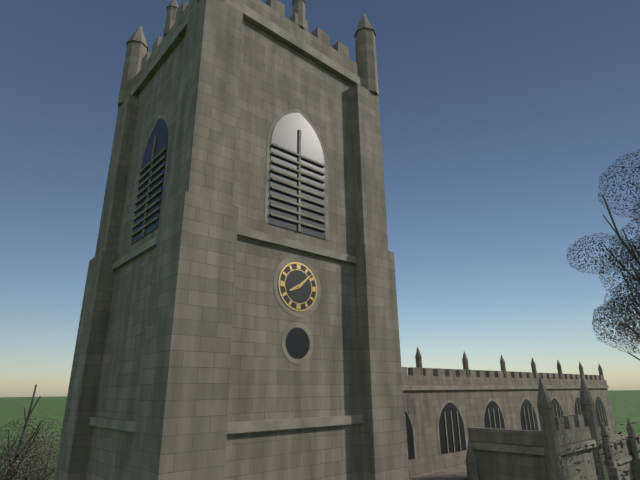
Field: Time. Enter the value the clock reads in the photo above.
8:08
